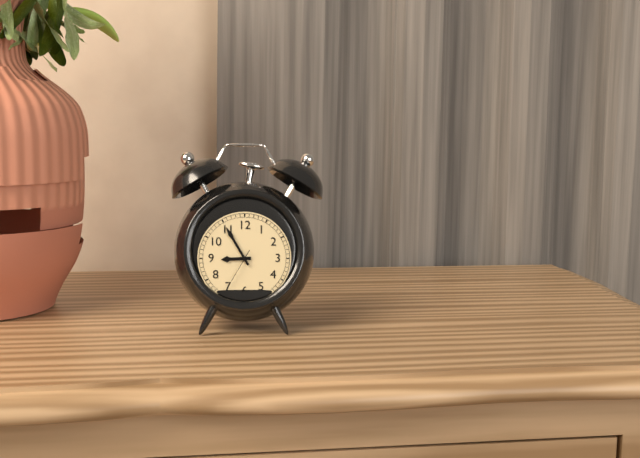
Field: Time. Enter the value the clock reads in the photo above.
8:55:35
